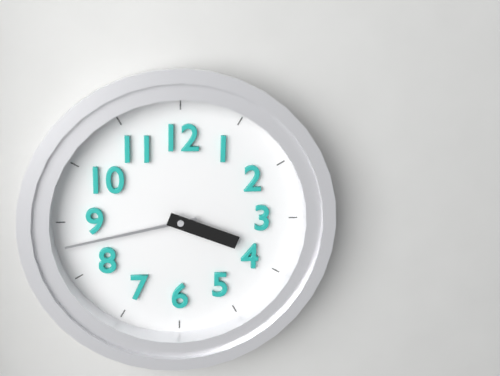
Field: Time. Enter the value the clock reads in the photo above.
3:43
